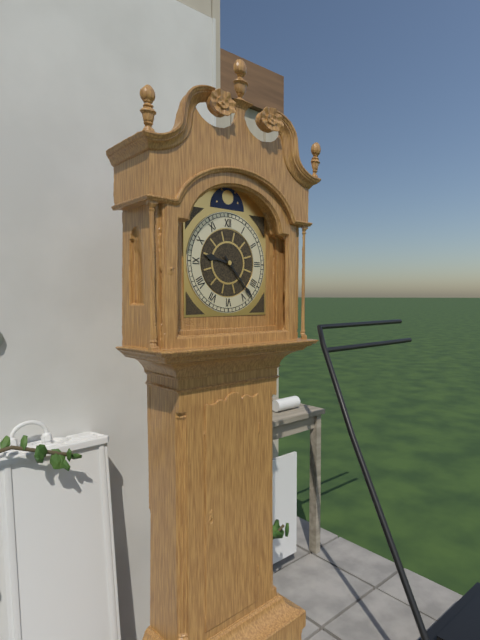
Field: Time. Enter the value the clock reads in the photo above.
9:23
